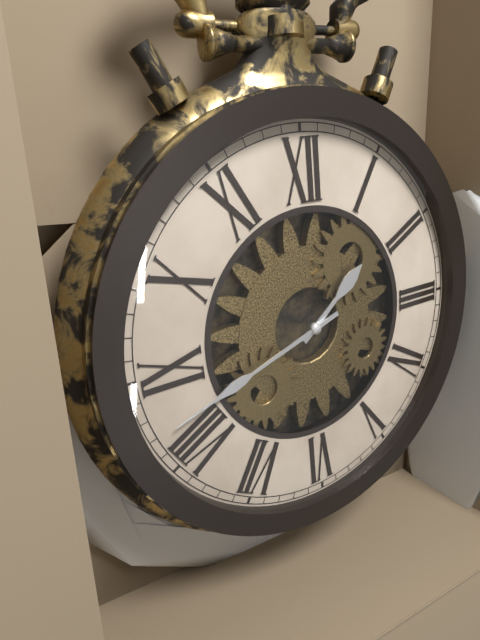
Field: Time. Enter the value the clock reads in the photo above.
1:42
